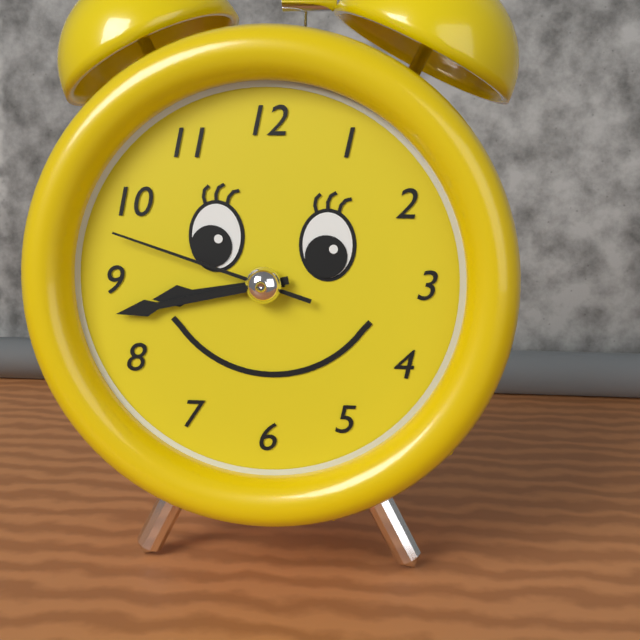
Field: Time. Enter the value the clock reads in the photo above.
8:43:48
